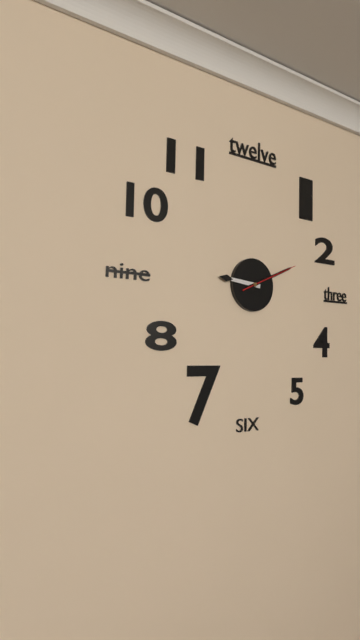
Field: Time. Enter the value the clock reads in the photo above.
9:11:11
